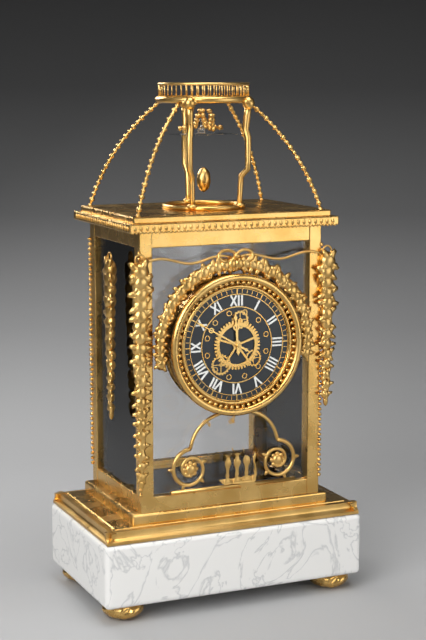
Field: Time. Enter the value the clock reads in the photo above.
11:50
